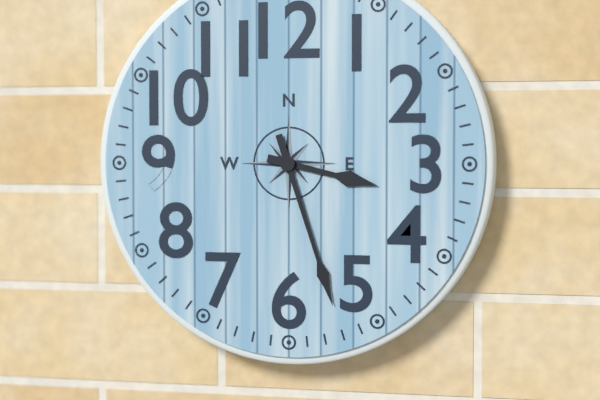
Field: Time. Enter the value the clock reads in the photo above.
3:27
